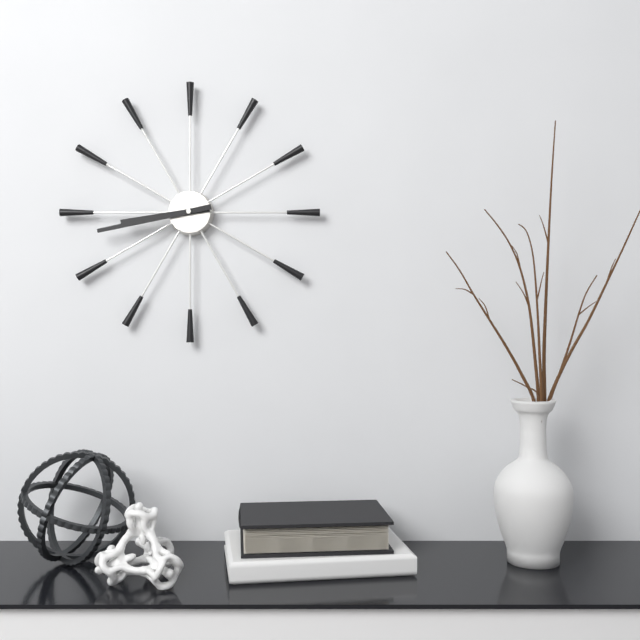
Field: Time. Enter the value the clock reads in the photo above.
8:43
